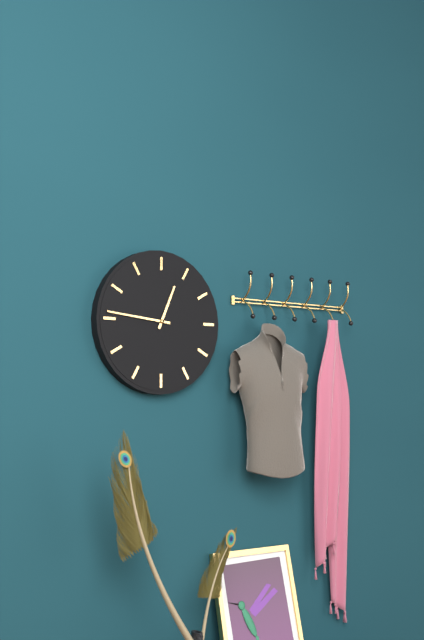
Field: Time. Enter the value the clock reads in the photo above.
12:46
